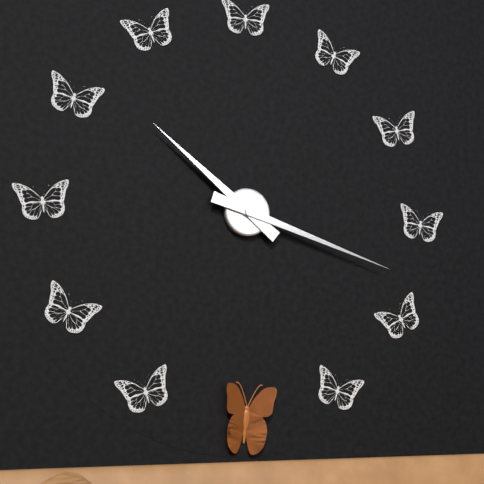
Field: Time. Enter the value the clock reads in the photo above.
10:18
